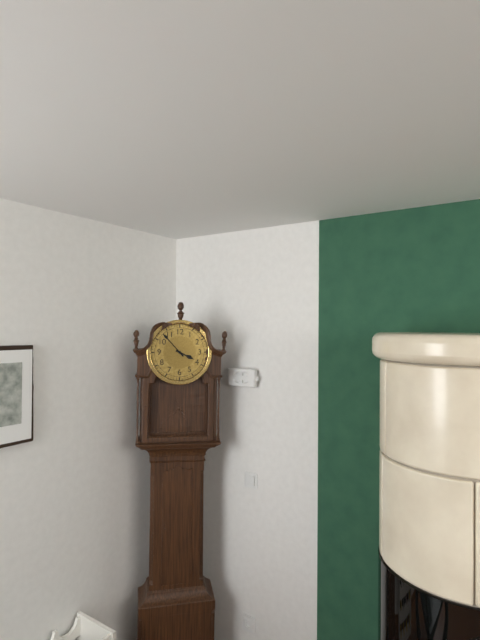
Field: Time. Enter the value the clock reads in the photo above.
3:53
